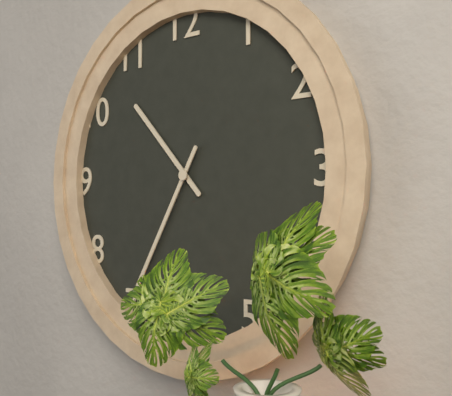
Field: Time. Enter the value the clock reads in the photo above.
10:35
